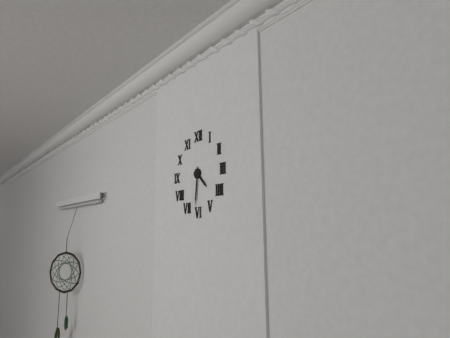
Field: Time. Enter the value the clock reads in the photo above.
4:31
